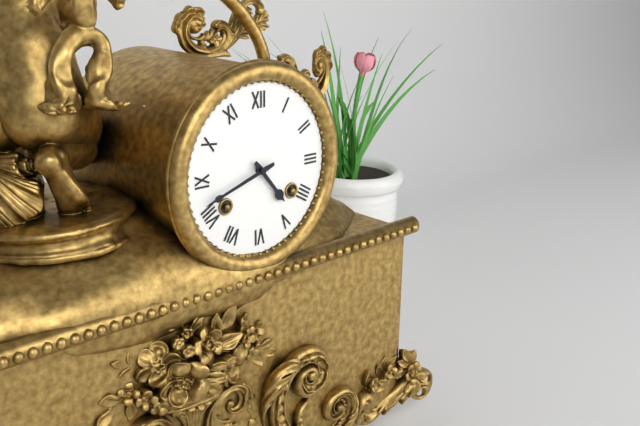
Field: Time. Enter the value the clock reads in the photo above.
4:42
